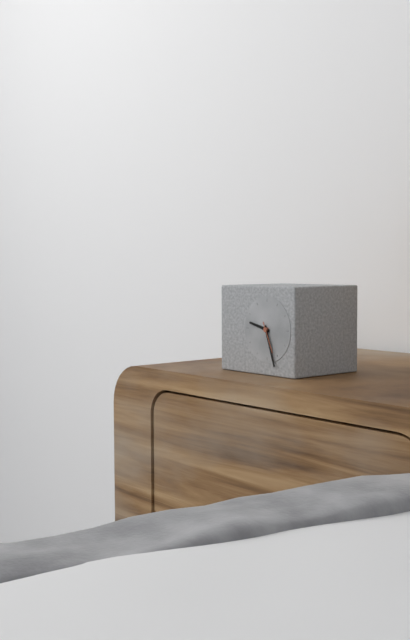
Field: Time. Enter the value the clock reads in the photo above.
9:27
